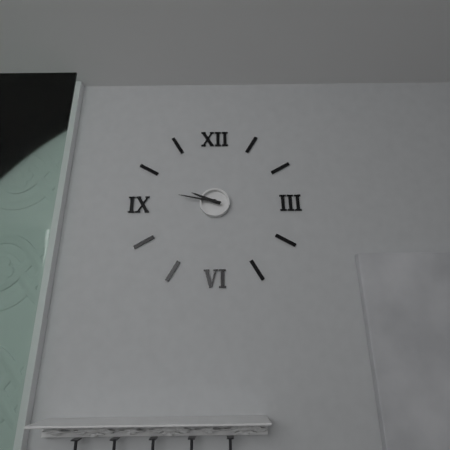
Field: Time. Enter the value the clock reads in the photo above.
9:47
